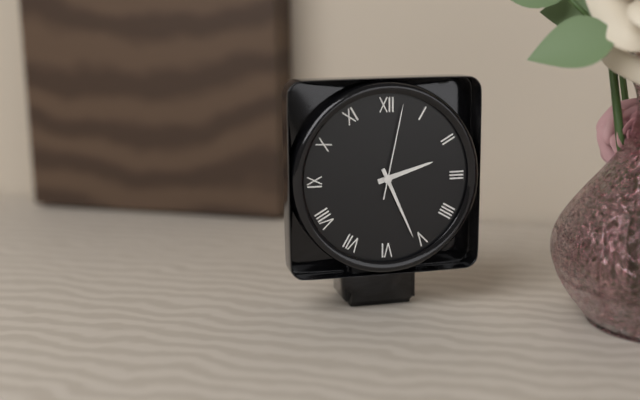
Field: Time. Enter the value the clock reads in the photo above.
2:26:02
